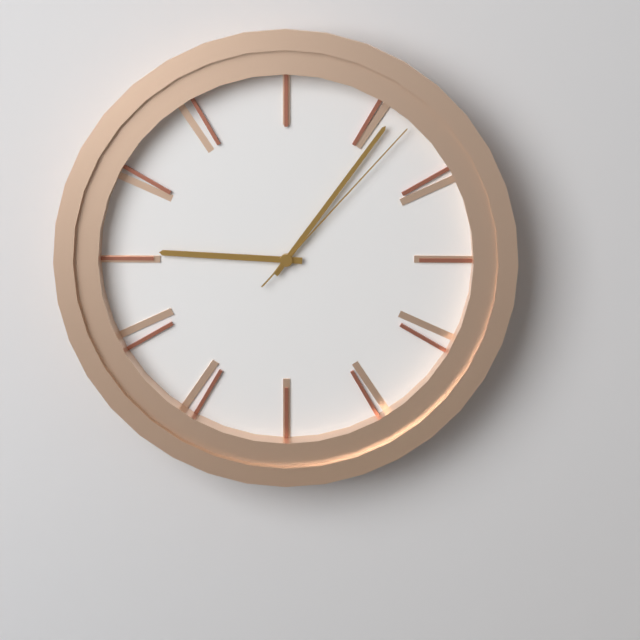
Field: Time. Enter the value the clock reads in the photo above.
9:06:07
